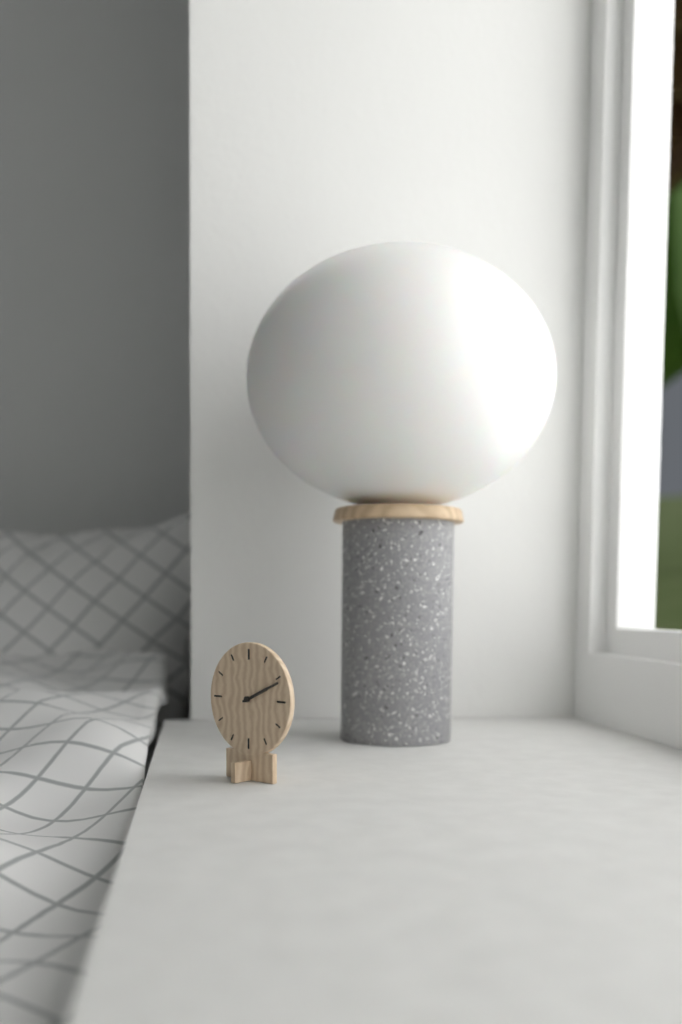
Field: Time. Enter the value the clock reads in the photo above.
2:11
